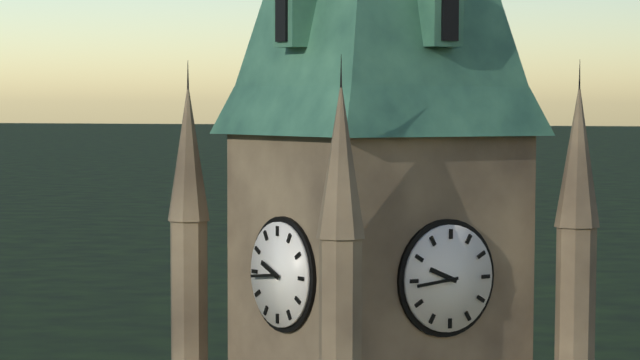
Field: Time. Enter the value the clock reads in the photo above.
9:44
